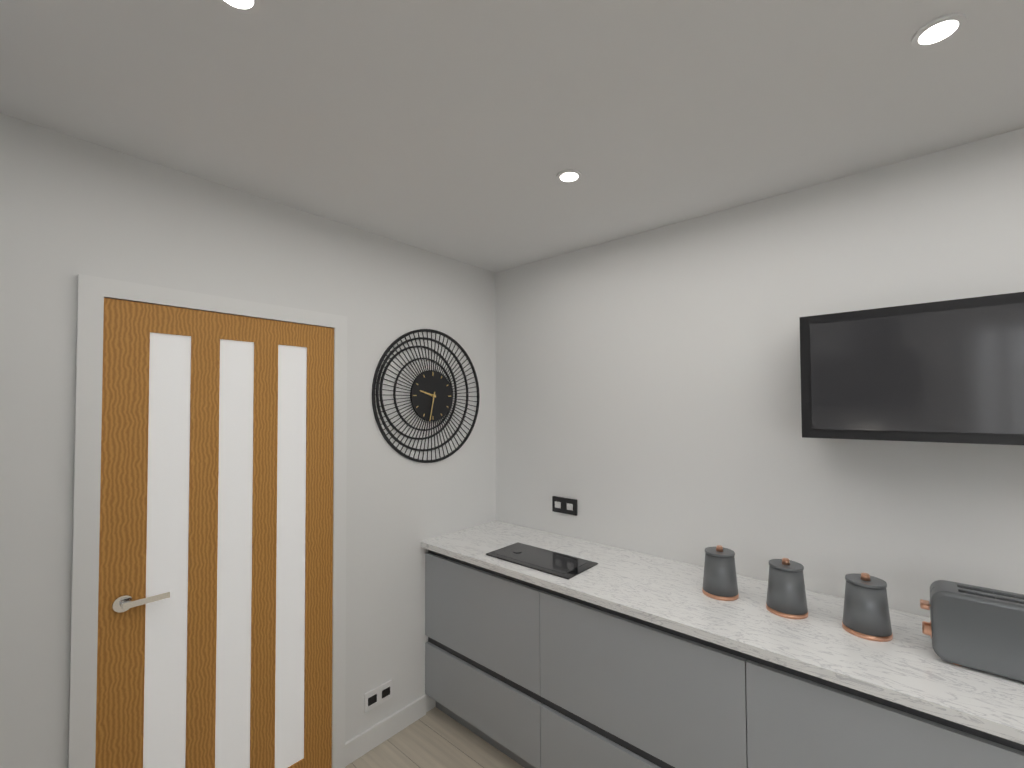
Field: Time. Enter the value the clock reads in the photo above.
9:32
